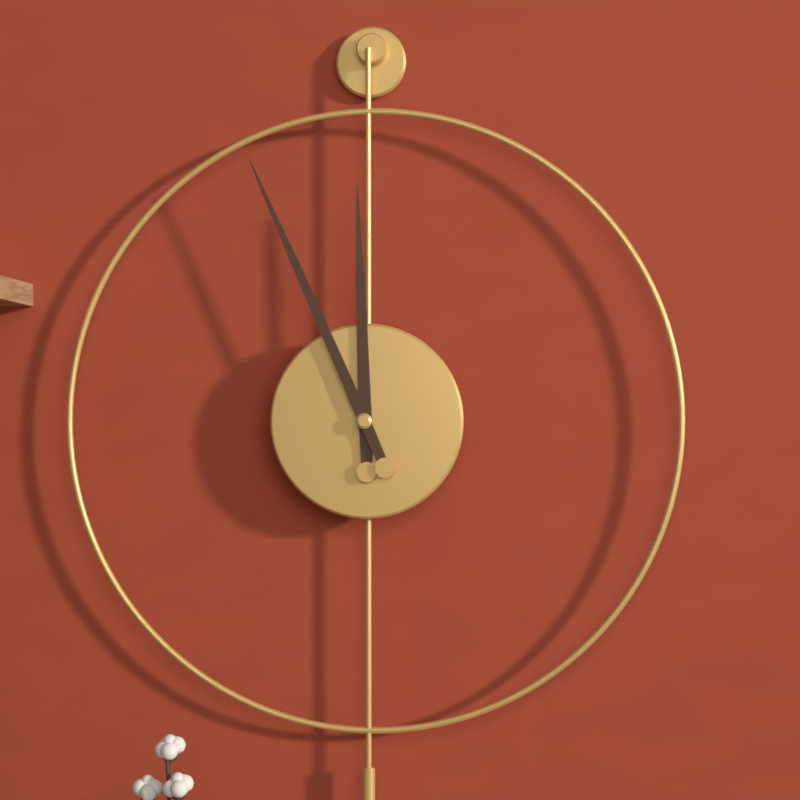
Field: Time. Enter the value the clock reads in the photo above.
11:56
